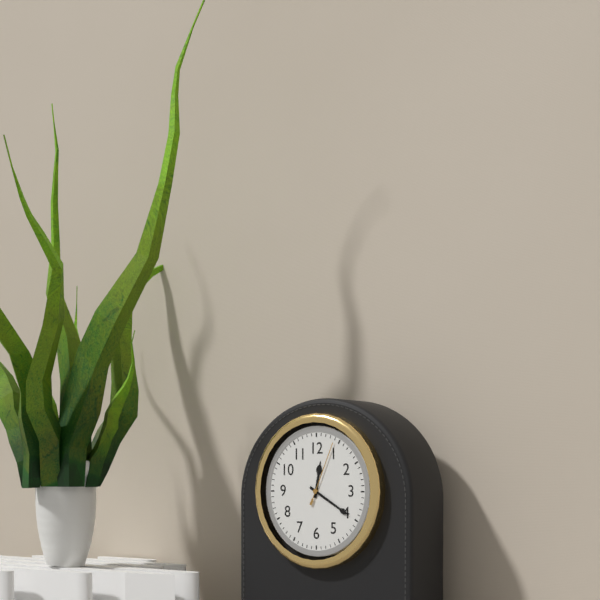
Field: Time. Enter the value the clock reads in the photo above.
12:20:04
